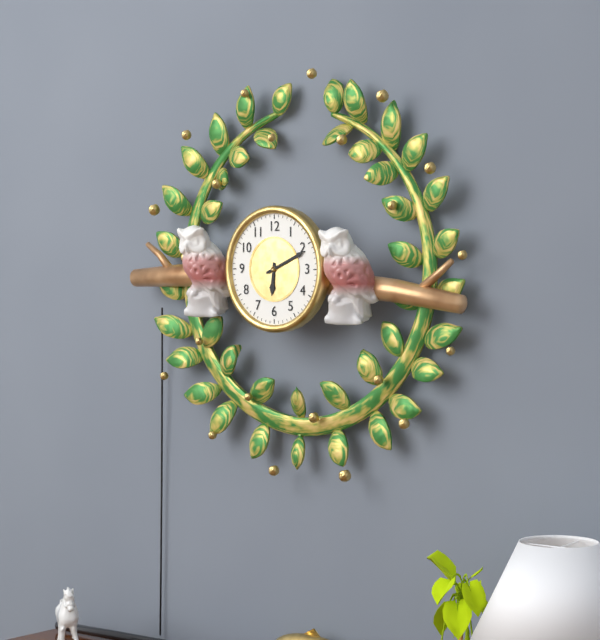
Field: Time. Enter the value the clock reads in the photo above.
6:11
